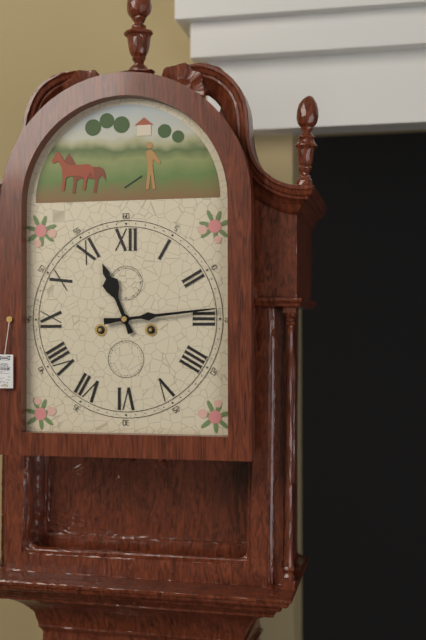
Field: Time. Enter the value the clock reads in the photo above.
11:14
